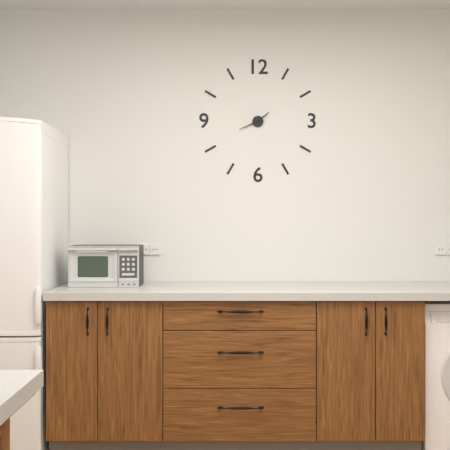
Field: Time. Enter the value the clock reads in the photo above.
1:41
